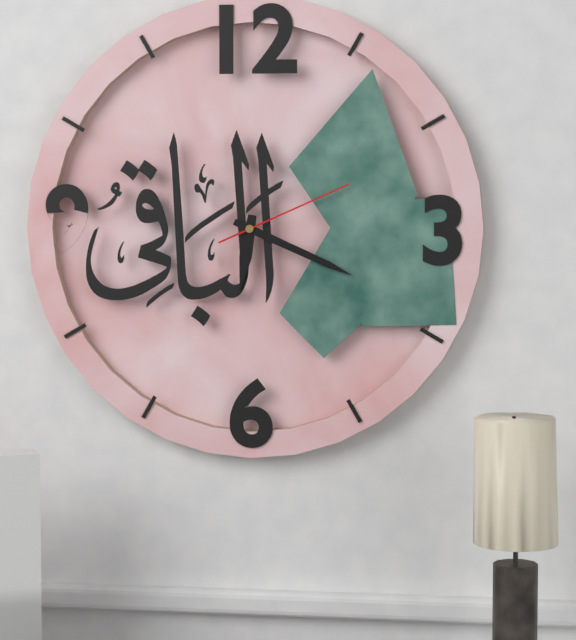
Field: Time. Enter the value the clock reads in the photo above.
6:19:11
